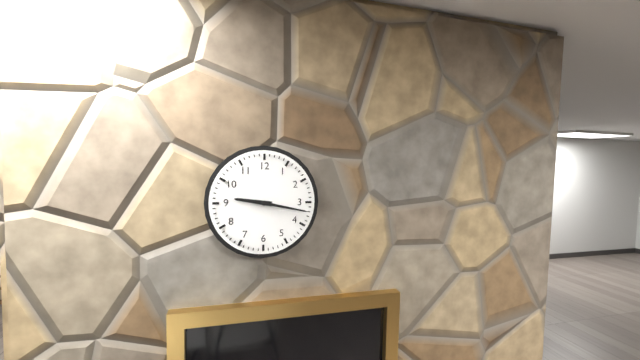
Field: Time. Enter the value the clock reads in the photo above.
9:17
